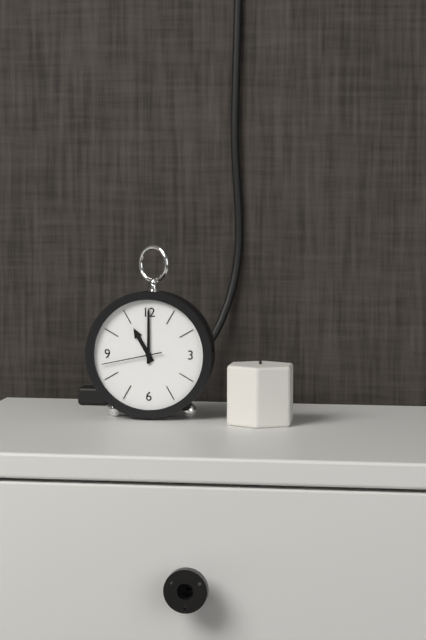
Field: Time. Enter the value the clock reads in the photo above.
11:00:43
